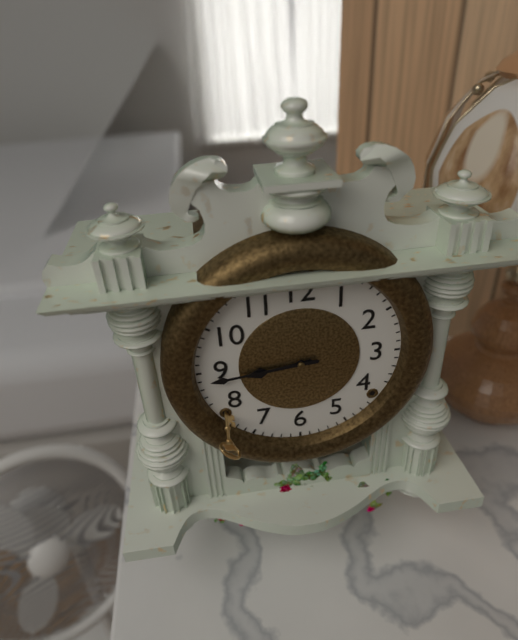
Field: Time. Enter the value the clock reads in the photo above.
8:44
